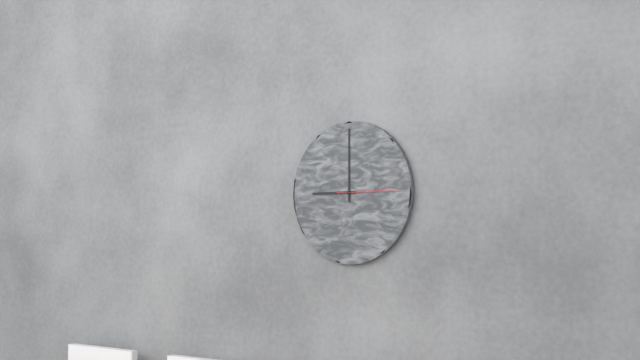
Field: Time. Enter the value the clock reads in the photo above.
9:00:15
